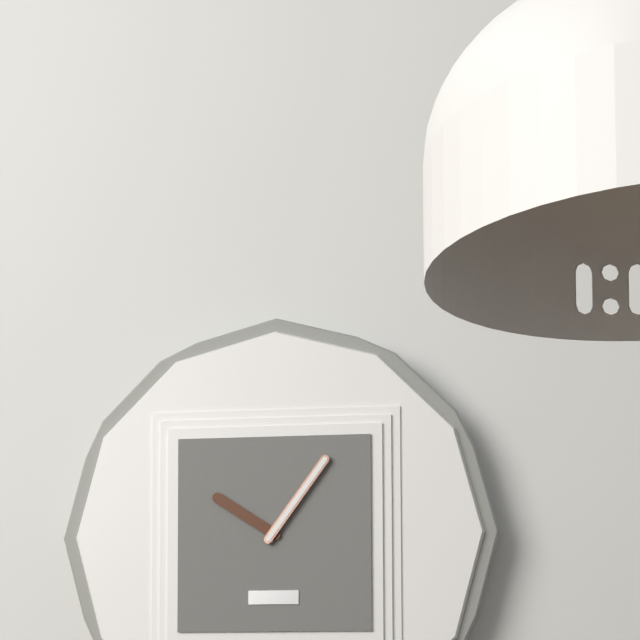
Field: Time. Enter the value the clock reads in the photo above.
10:06
